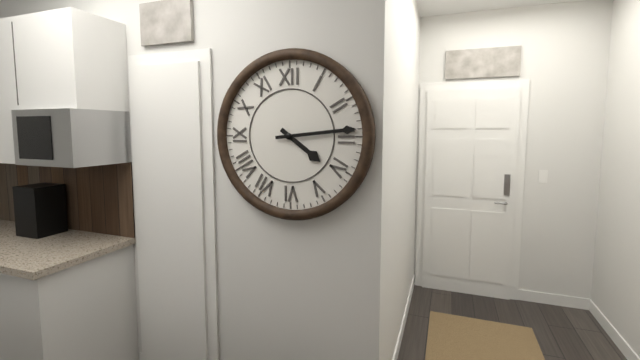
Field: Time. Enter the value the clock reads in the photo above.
4:14
